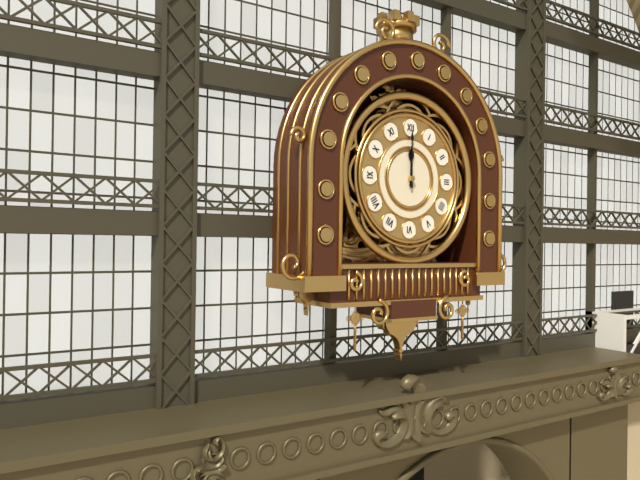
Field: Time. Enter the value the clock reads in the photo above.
12:00
